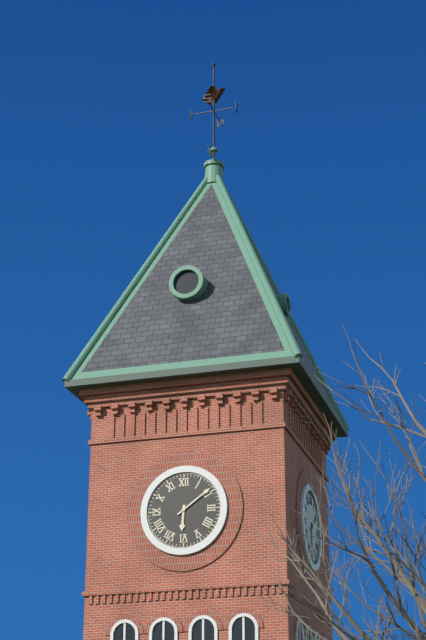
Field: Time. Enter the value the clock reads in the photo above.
6:09
